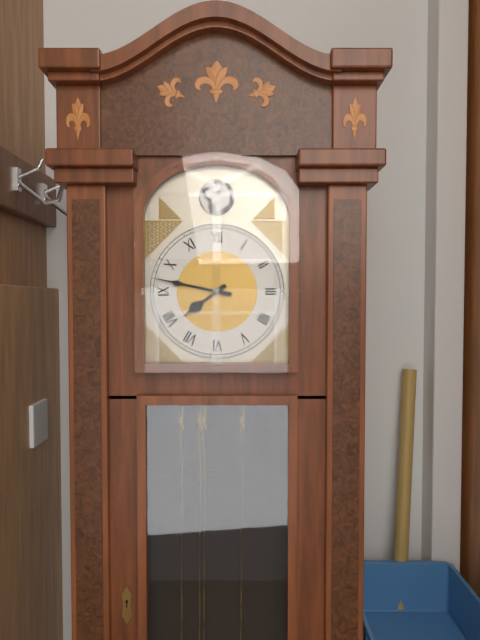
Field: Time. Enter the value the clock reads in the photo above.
7:47
